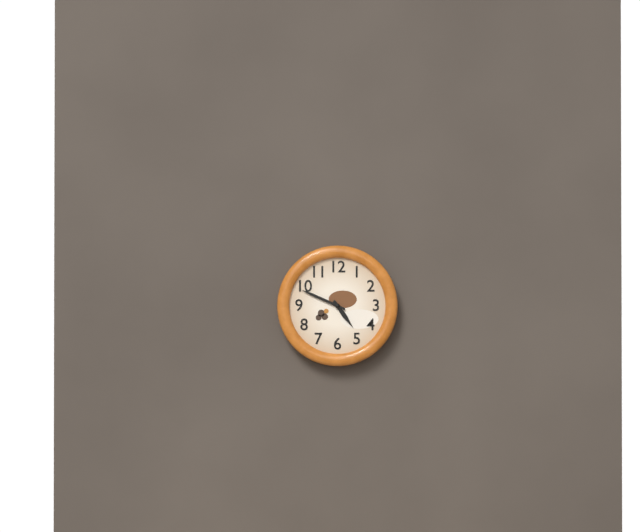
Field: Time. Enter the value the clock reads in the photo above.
4:49
